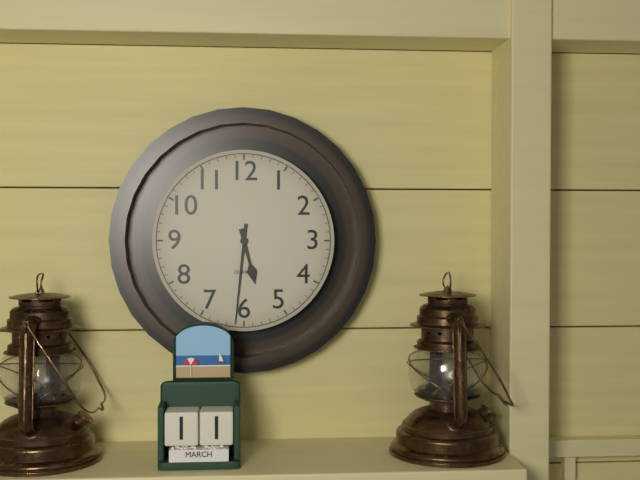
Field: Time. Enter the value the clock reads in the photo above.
5:31
